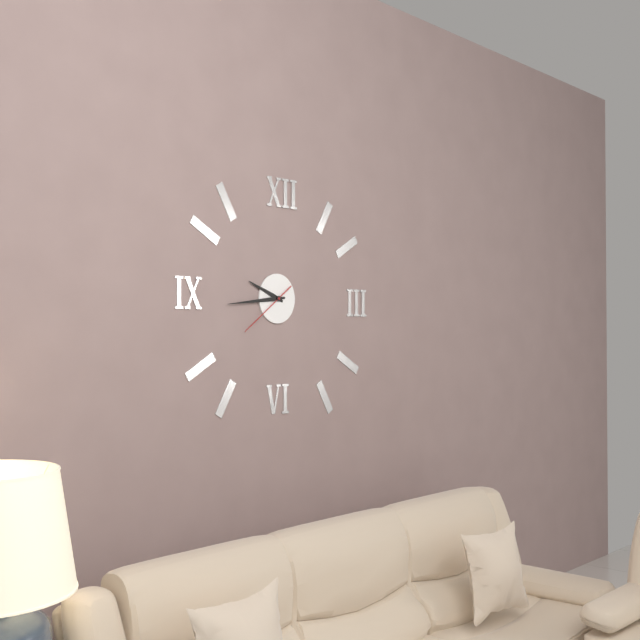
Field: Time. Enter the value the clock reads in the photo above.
9:44:39
